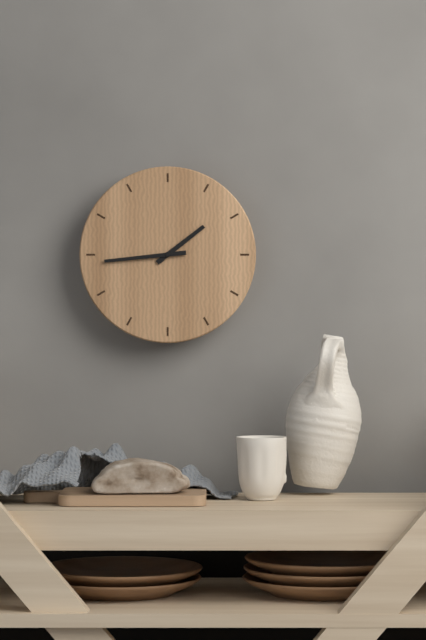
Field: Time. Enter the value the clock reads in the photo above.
1:44
